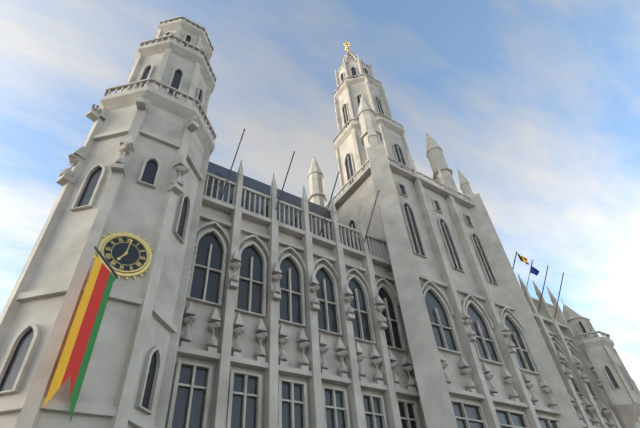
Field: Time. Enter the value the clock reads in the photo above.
7:01
